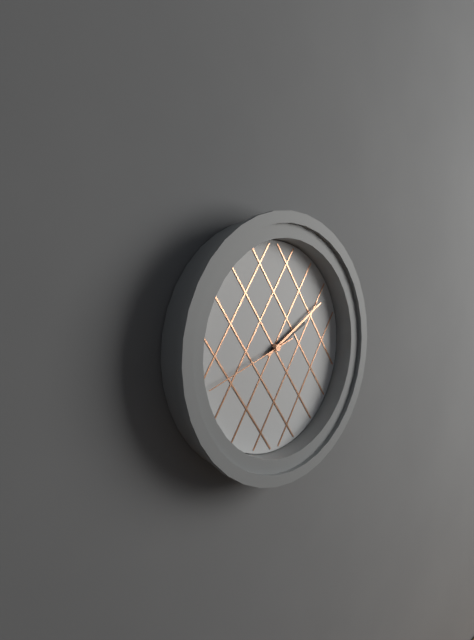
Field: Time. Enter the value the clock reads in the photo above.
2:10:42
